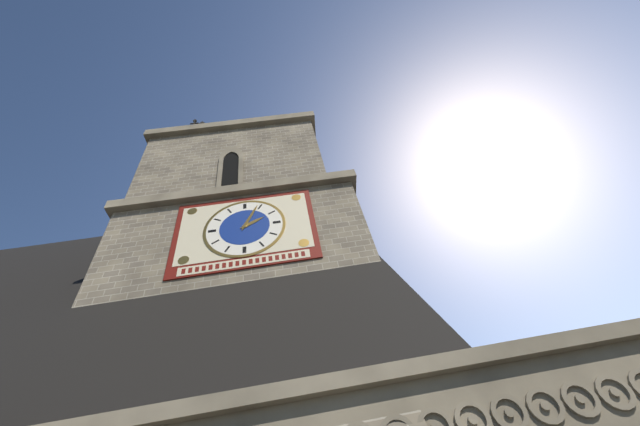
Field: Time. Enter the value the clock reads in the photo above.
2:04
